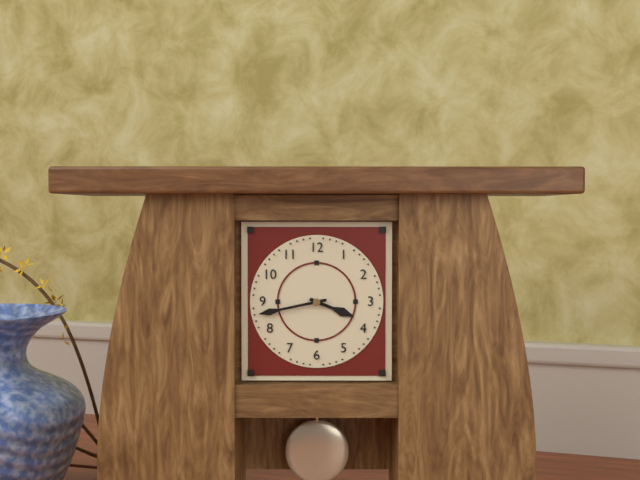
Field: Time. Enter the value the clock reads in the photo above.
3:43
